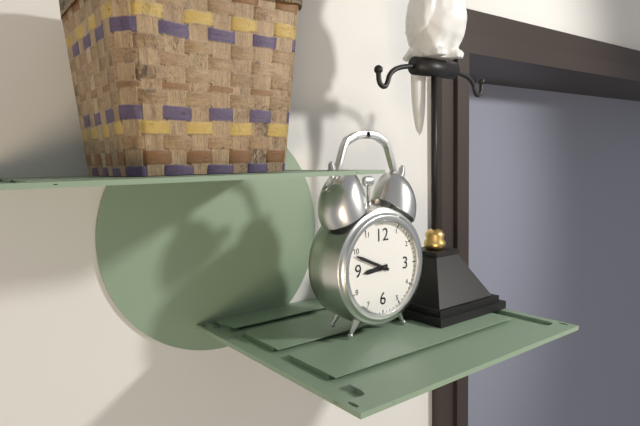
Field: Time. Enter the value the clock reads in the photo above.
8:49
